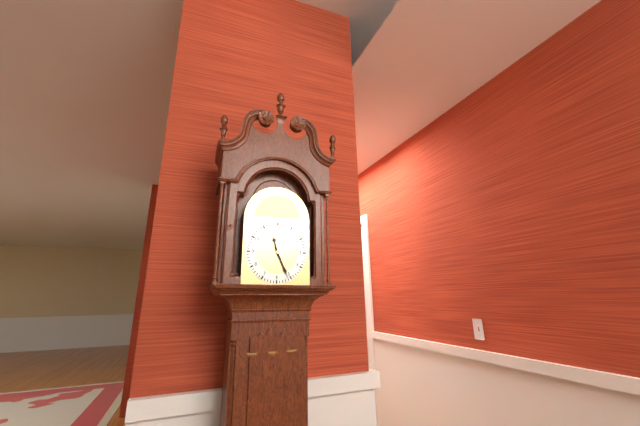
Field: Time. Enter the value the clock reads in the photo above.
11:26
